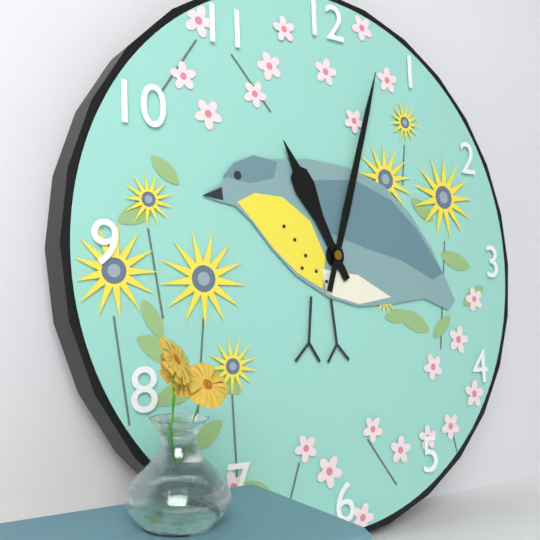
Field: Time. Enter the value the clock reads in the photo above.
11:03
